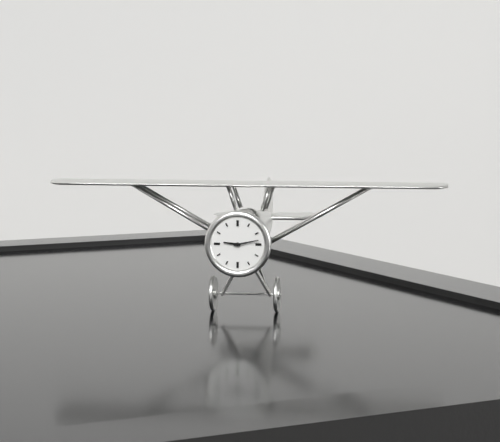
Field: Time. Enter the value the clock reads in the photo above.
9:13
